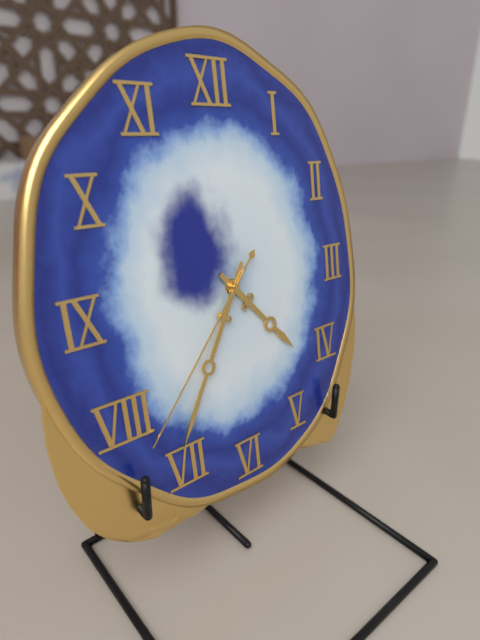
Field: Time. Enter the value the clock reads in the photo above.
4:35:37
